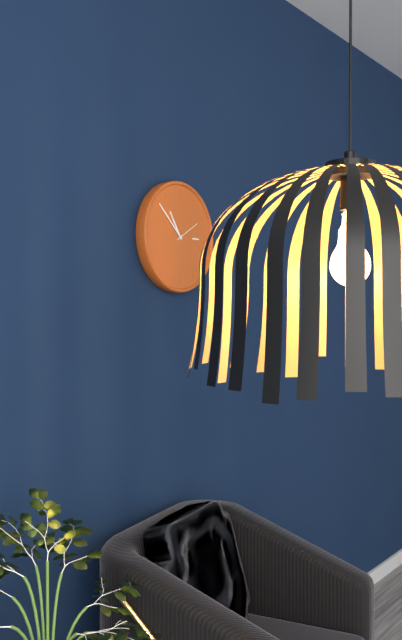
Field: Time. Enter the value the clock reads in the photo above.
10:52
